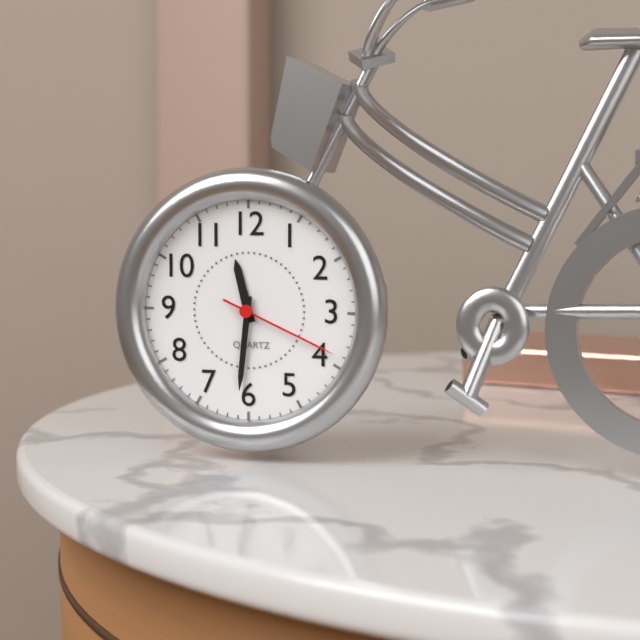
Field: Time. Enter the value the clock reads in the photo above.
11:31:19
